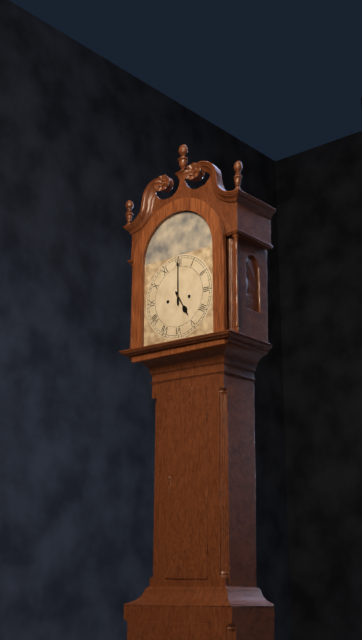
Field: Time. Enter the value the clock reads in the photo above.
5:00
